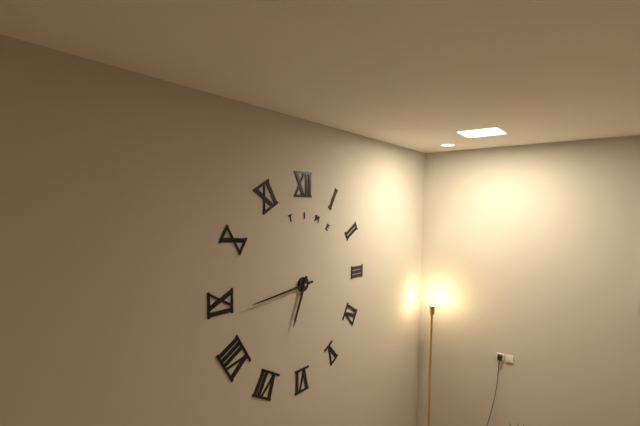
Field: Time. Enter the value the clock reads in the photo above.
6:44
